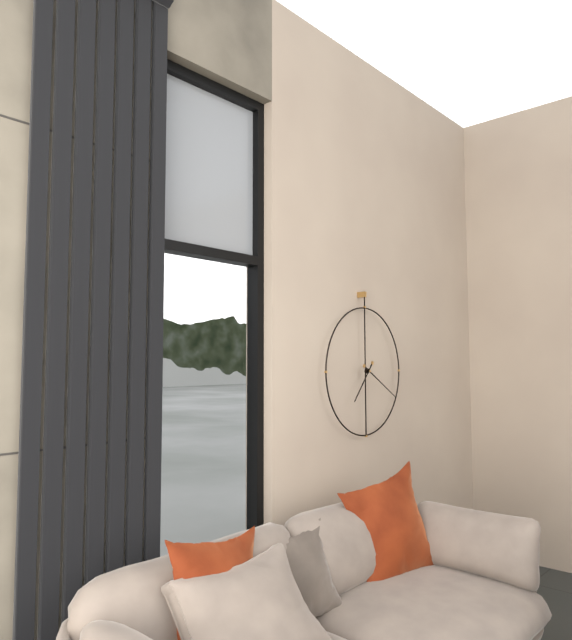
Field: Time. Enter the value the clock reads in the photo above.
7:20
